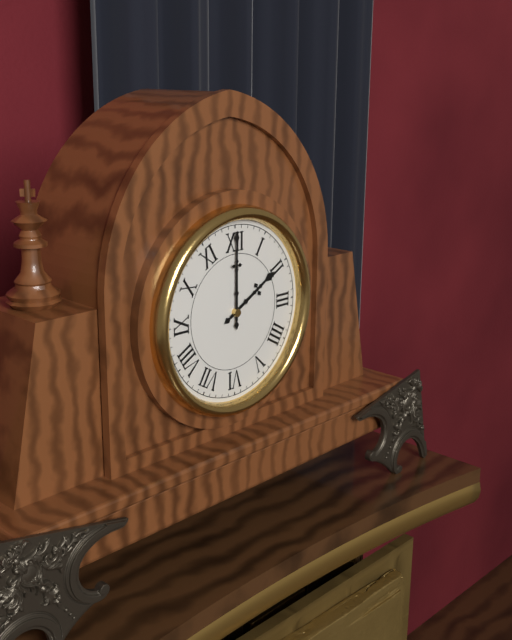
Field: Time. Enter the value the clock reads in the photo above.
2:00
